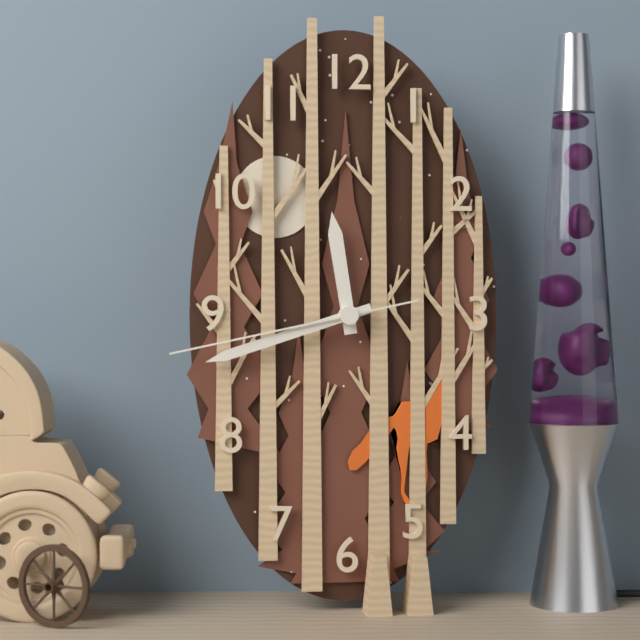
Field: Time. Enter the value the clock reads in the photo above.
11:42:43
